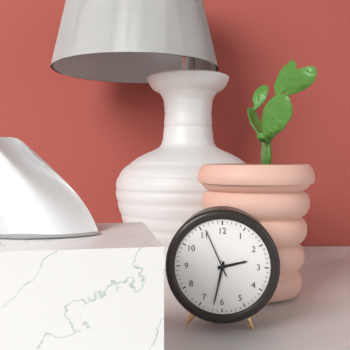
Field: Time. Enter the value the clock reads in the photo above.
2:32:56
